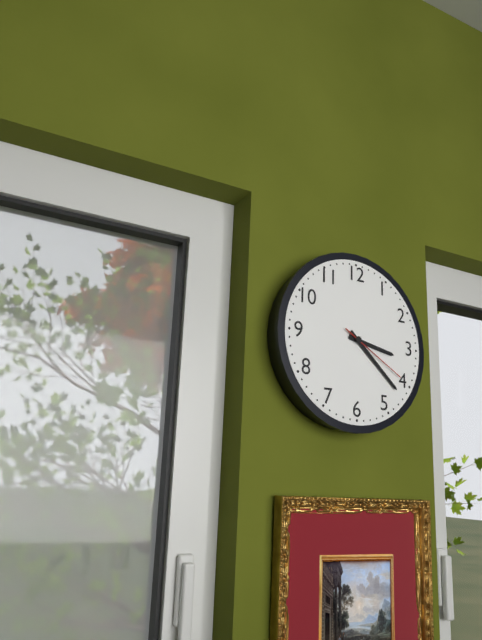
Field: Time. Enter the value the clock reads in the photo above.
3:22:20
